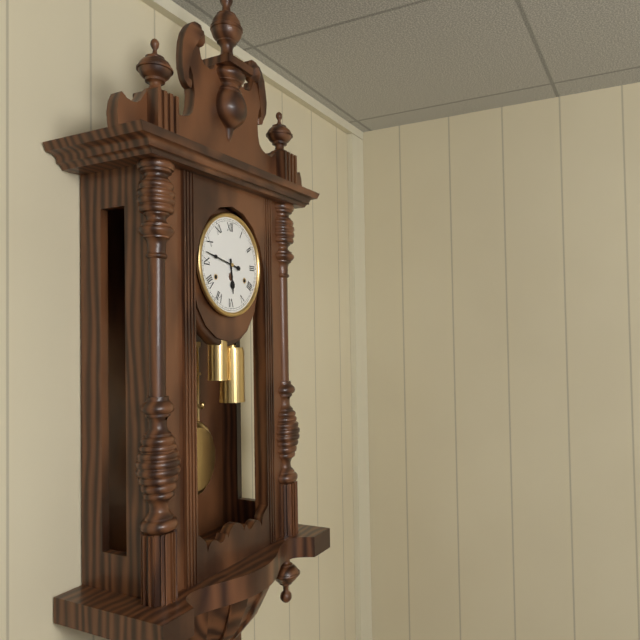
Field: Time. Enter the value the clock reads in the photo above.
5:47
